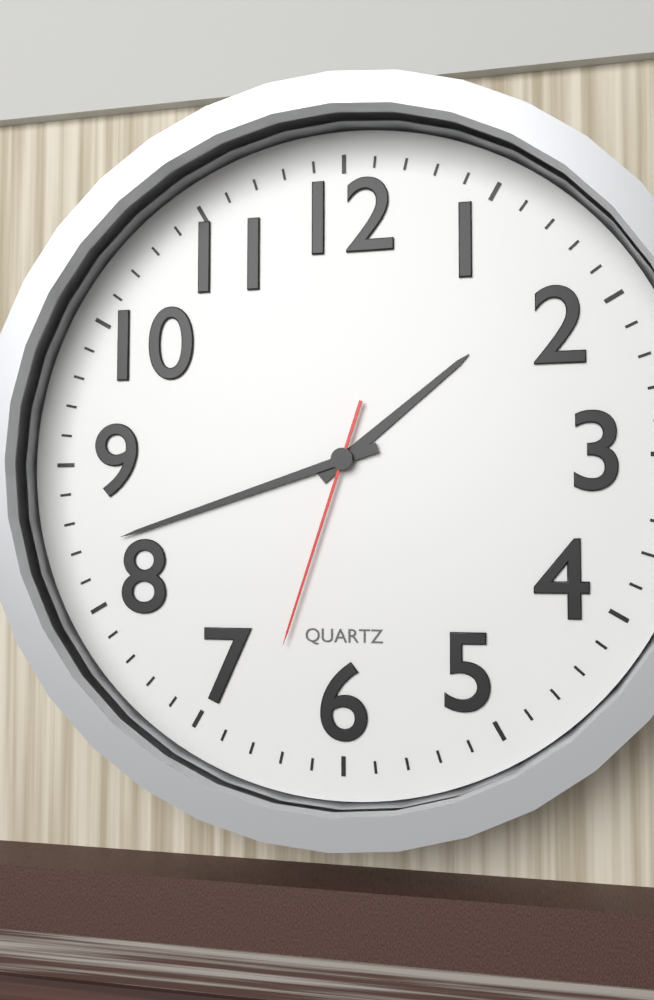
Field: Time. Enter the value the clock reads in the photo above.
1:42:33
